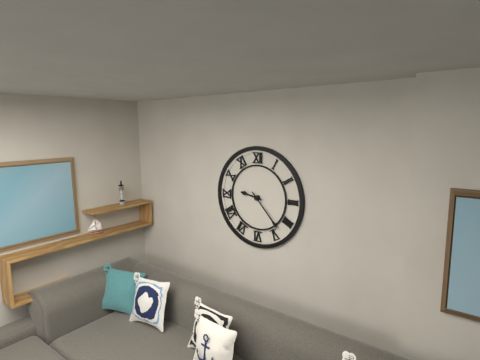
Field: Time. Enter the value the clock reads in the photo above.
9:23
